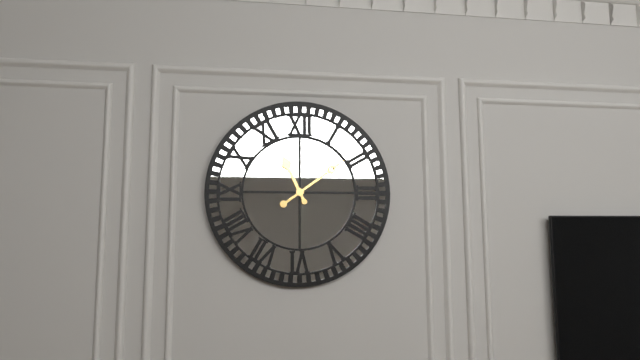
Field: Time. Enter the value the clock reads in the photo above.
11:09
